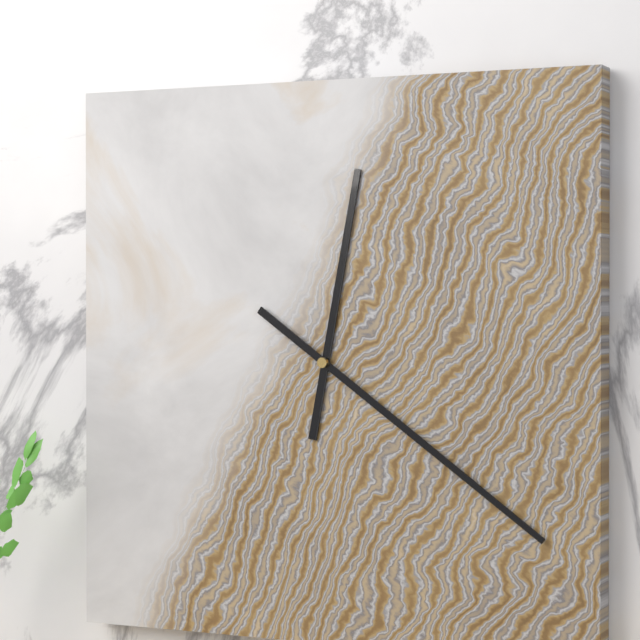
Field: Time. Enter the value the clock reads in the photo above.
12:21
